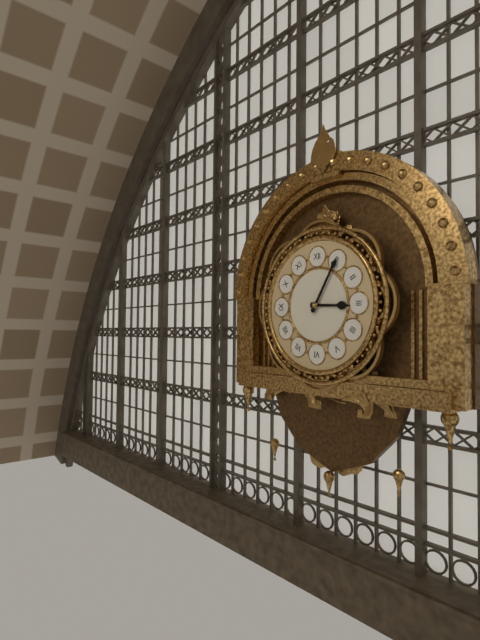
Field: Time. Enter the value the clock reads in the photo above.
3:05
